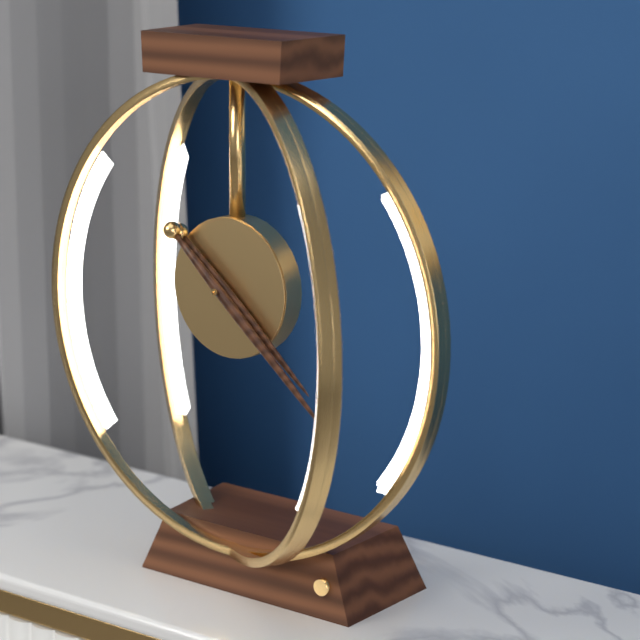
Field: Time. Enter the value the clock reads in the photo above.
4:22
